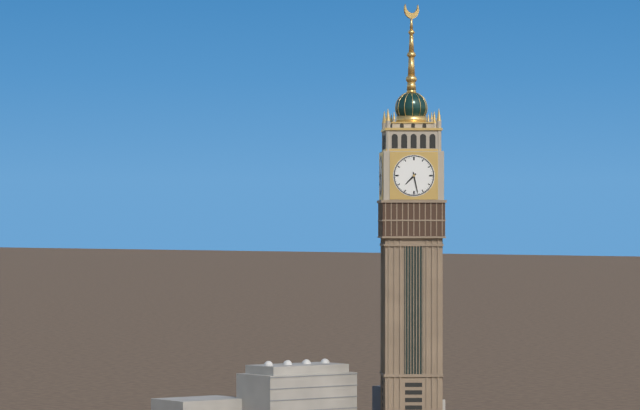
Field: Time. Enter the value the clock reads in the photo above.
7:28
